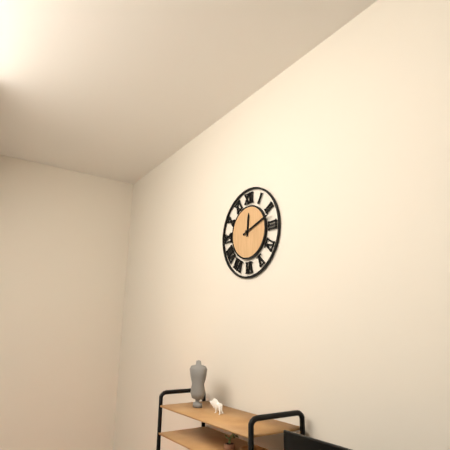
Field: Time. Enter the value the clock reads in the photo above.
12:12
